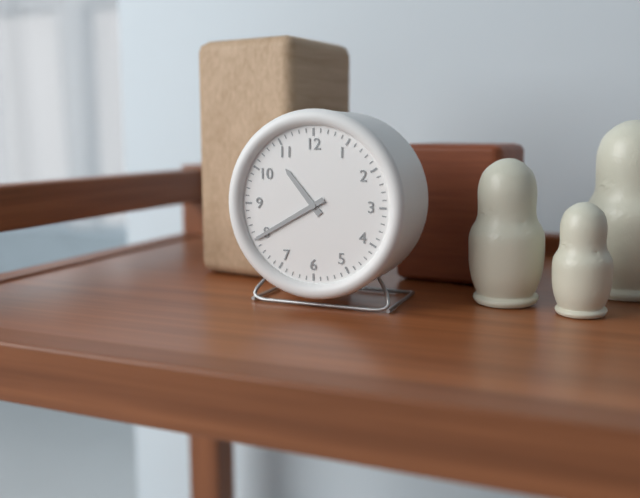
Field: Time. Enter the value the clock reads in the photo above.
10:40
